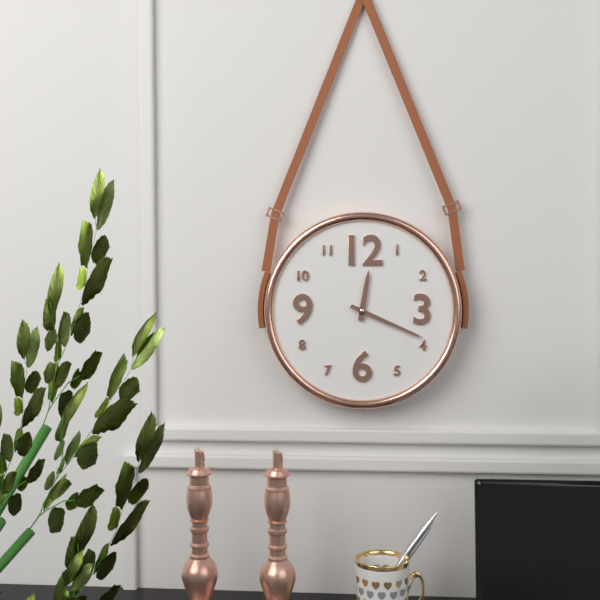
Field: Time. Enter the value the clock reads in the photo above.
12:19
